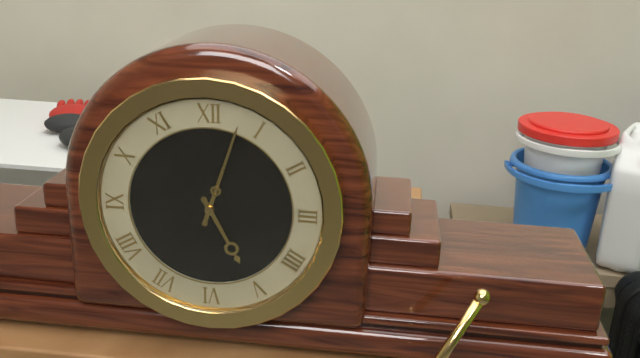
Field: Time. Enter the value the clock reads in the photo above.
5:03
